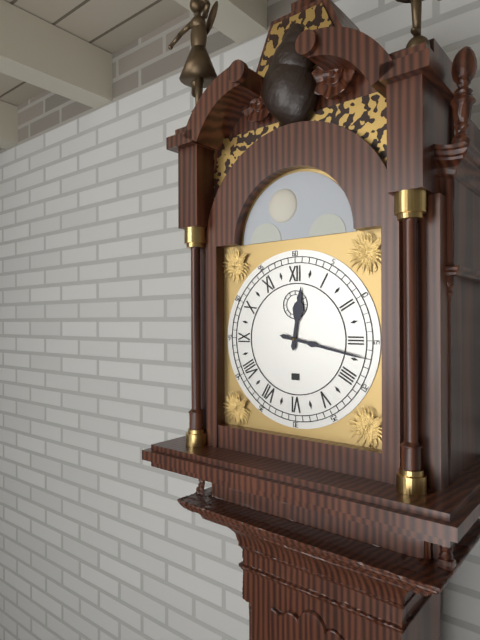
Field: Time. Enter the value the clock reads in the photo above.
12:17
